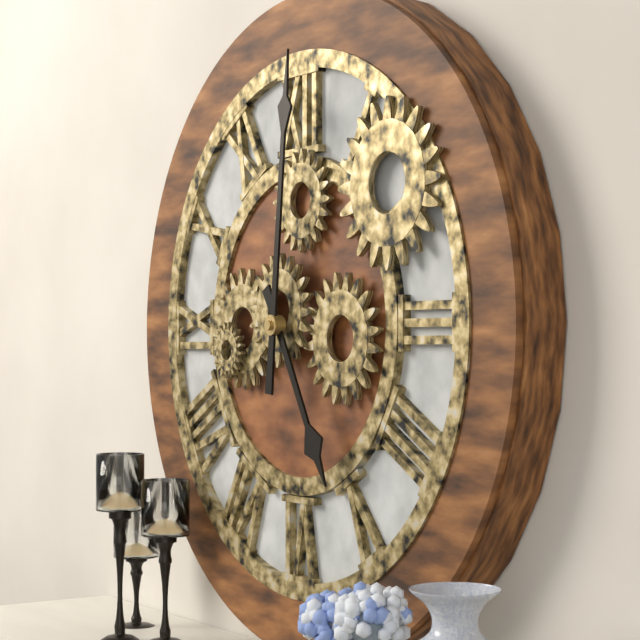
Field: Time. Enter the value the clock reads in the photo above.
5:01
